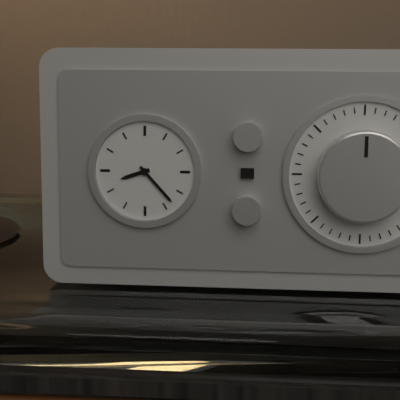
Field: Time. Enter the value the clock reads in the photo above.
8:23
